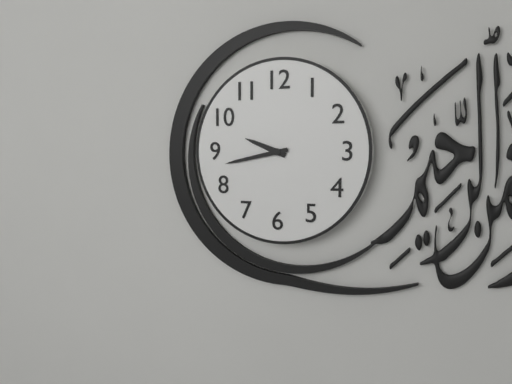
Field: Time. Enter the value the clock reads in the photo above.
9:43
